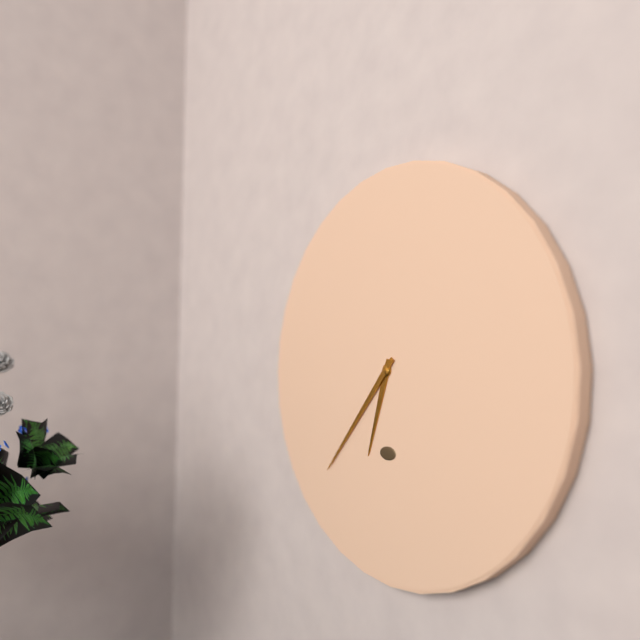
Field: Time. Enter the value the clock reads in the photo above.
6:37
